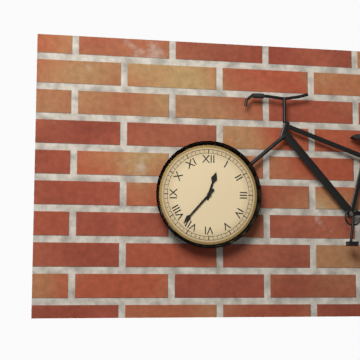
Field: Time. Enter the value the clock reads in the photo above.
12:37
